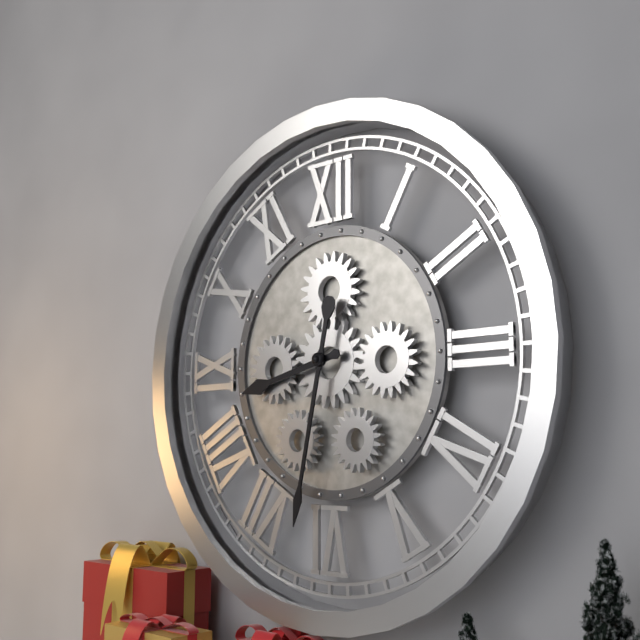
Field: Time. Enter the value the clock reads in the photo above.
8:32
